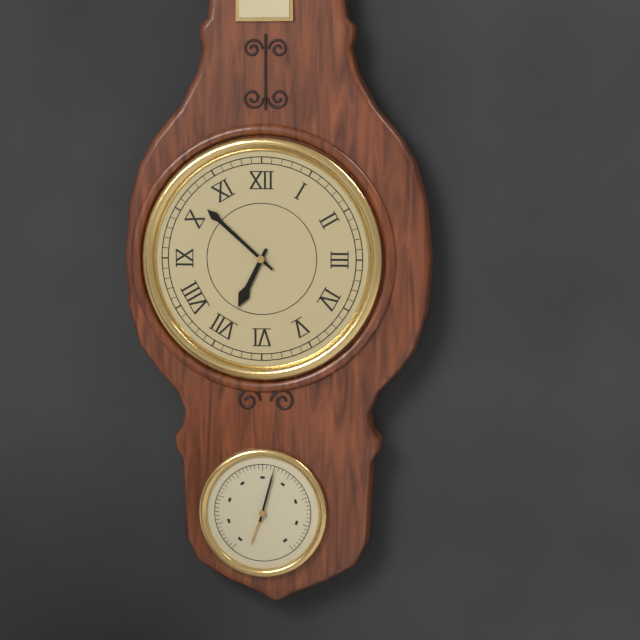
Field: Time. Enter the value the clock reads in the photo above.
6:52
